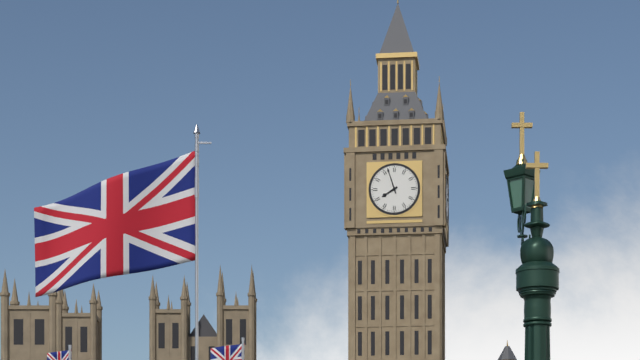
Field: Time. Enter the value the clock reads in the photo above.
7:57
